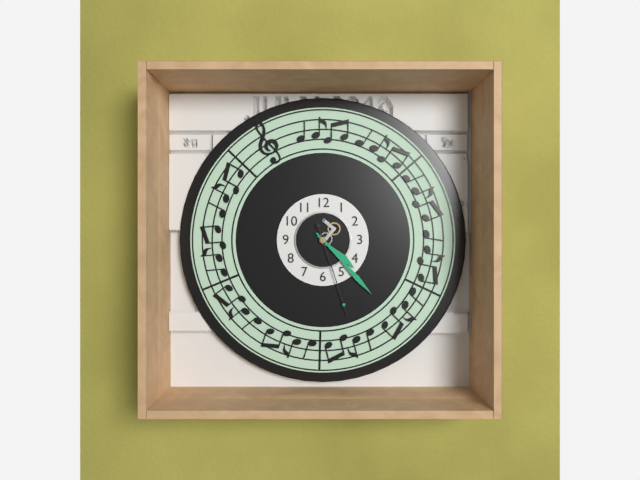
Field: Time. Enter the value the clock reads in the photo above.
4:23:27
